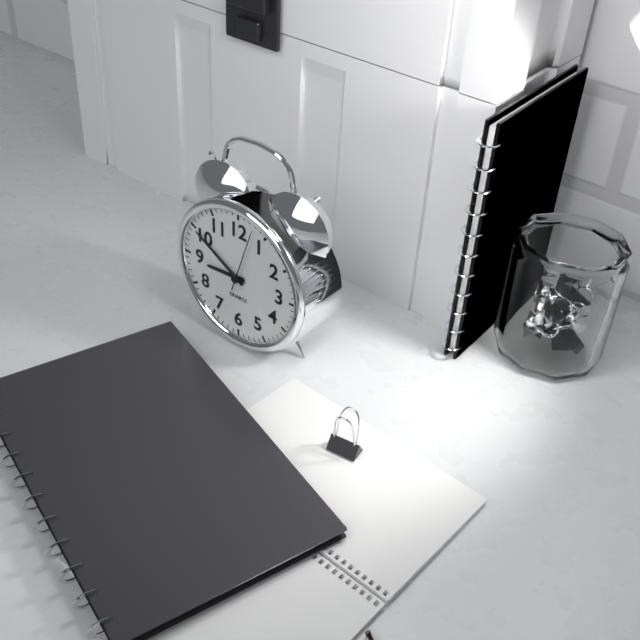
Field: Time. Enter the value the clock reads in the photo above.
8:50:03
